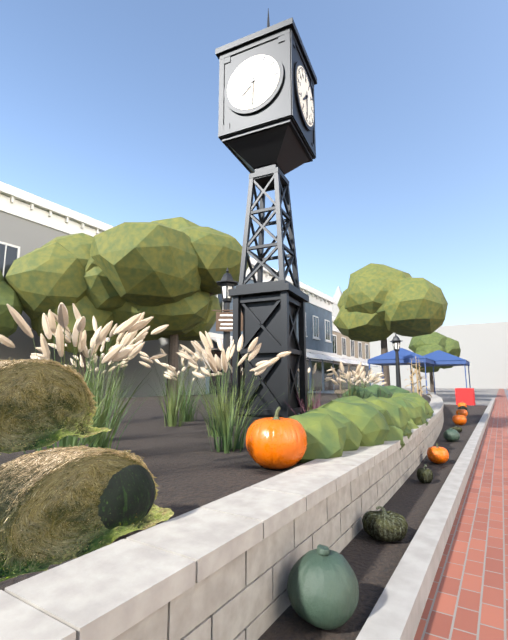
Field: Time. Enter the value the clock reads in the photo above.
7:30
